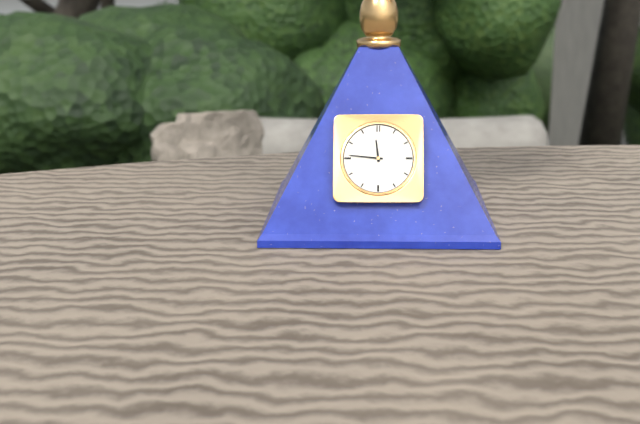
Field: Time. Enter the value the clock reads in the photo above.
11:46
